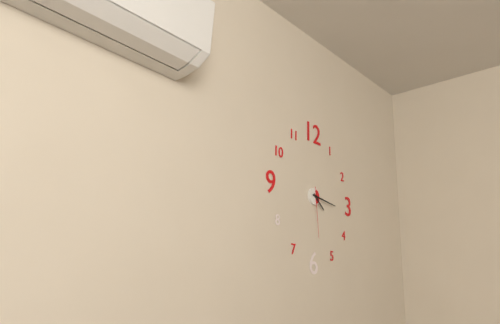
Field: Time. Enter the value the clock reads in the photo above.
4:16:29
